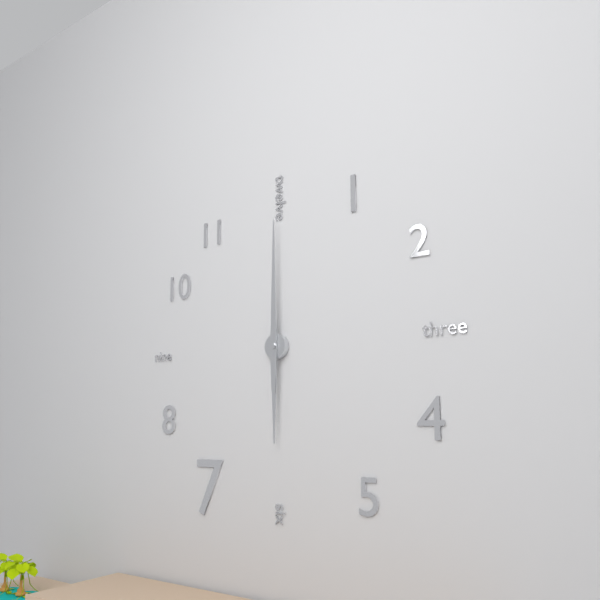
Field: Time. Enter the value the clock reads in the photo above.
6:00
